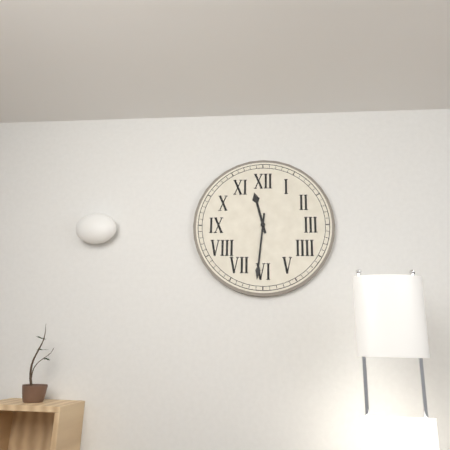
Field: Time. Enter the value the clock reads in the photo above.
11:31
